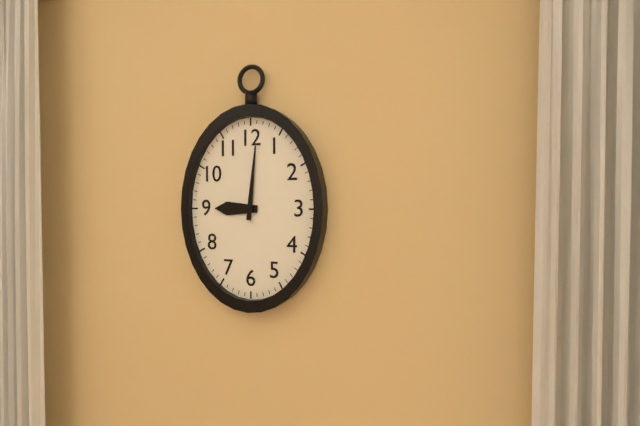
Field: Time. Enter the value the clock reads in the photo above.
9:01
